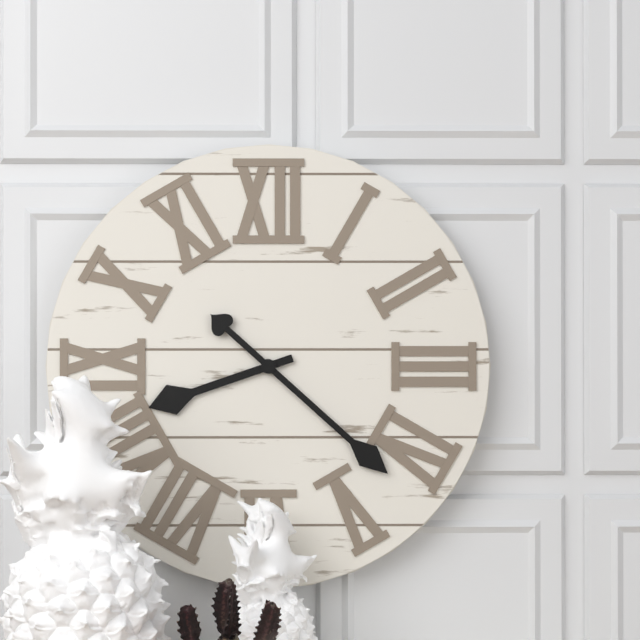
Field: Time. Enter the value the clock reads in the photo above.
8:22
